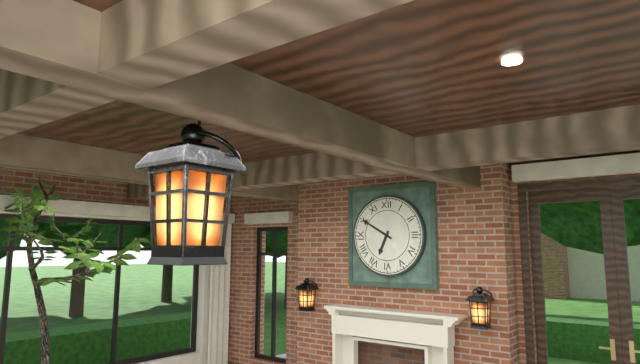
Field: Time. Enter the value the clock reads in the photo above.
6:50
